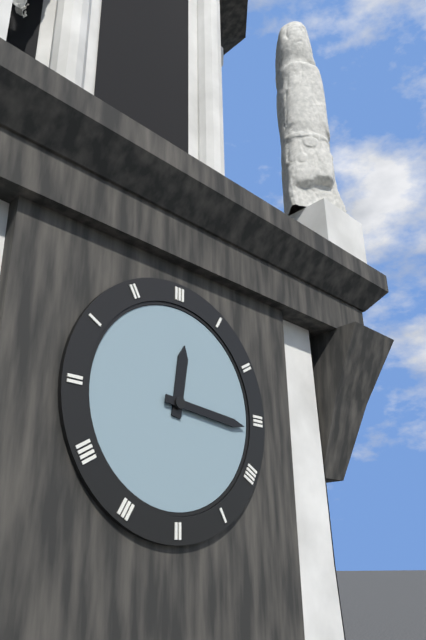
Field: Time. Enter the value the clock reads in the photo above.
12:16
